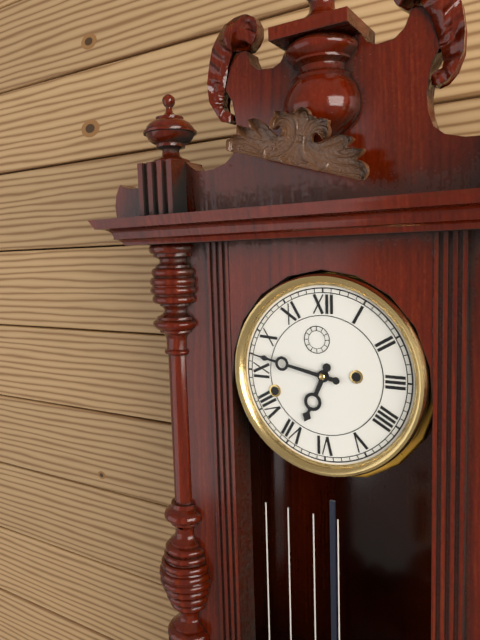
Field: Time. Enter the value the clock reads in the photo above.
6:47
